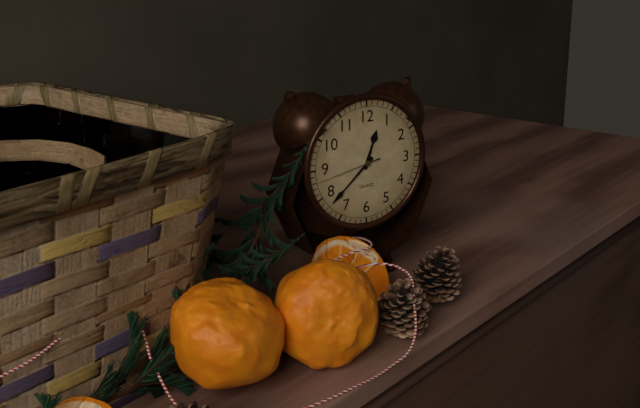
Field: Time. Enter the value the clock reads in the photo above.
12:38:43
